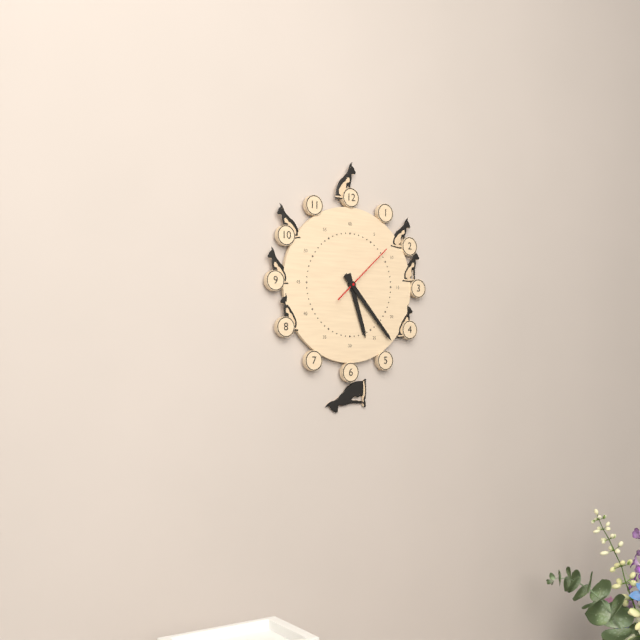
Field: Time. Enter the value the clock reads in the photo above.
5:23:08
